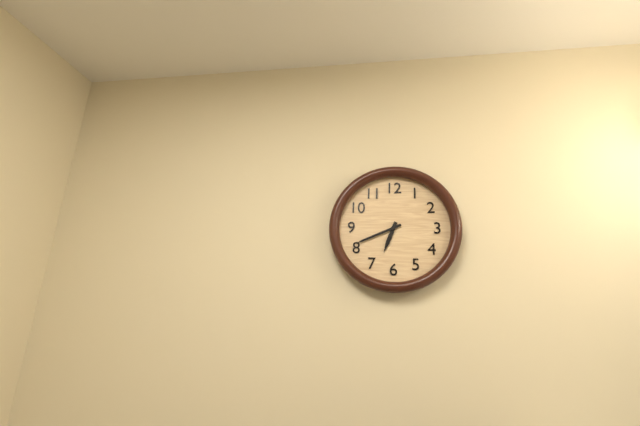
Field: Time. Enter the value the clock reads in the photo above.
6:41
